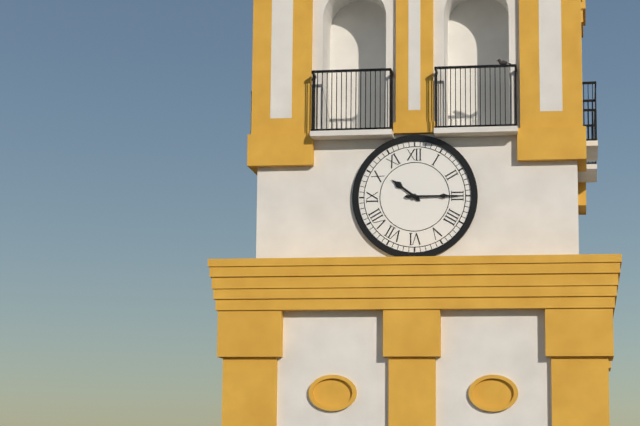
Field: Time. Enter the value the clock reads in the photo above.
10:15
